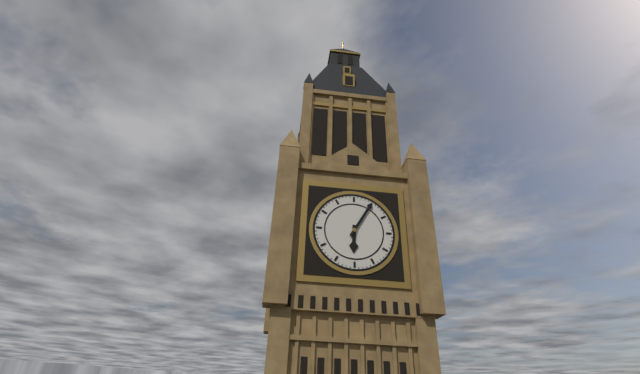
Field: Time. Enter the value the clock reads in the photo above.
6:05
